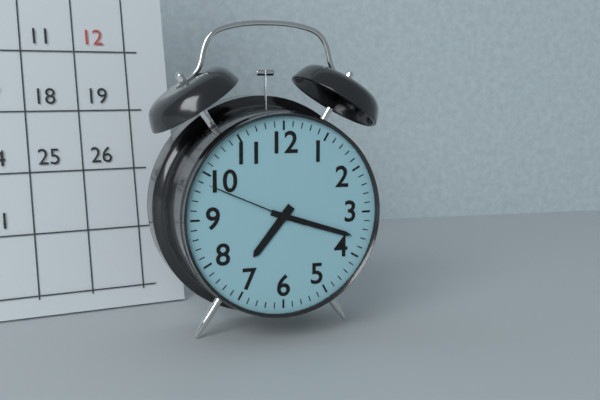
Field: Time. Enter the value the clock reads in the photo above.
7:18:49
